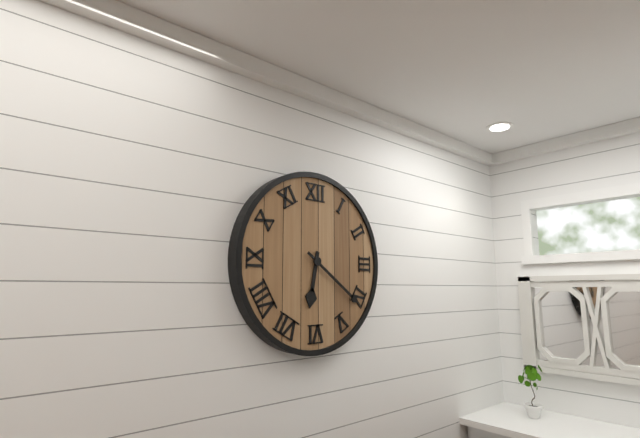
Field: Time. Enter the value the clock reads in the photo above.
6:21
